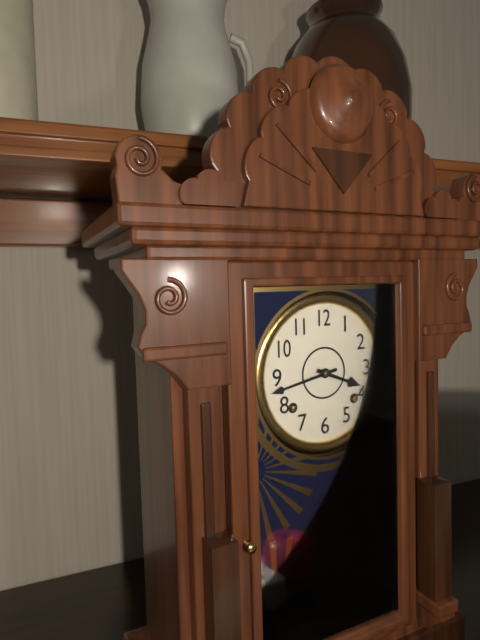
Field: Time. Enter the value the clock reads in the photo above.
3:43
